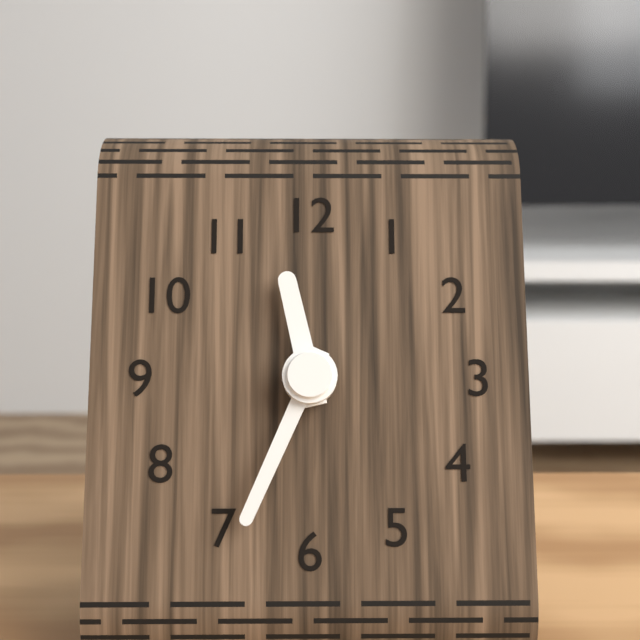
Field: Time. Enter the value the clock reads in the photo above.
11:34
